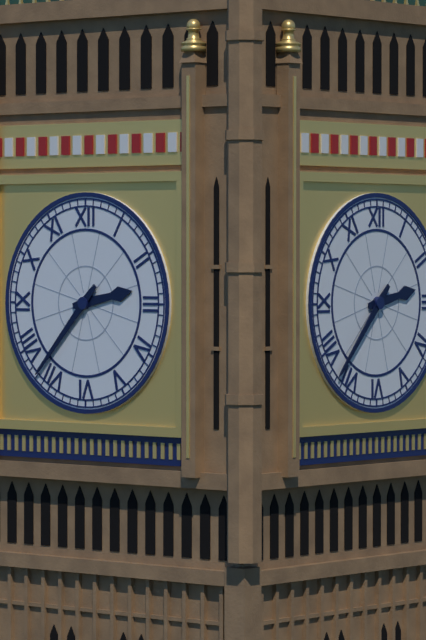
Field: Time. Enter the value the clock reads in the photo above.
2:37
